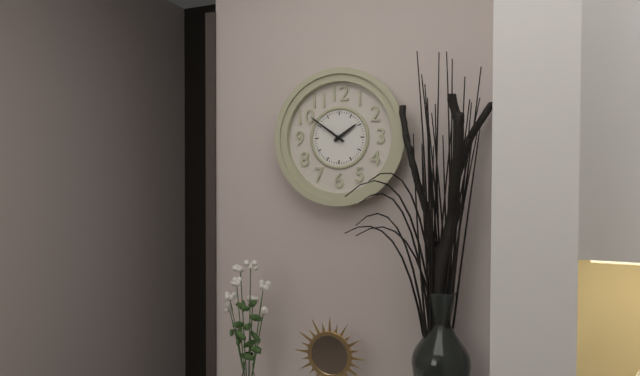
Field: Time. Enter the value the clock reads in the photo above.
1:51
